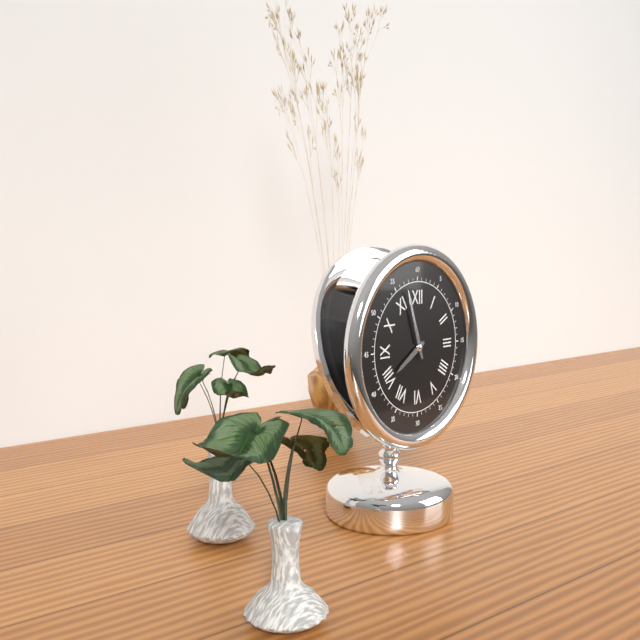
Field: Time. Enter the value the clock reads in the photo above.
7:57
